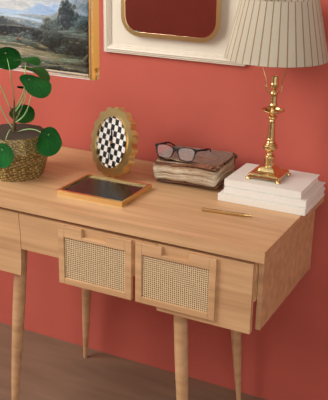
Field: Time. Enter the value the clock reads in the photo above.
11:30
